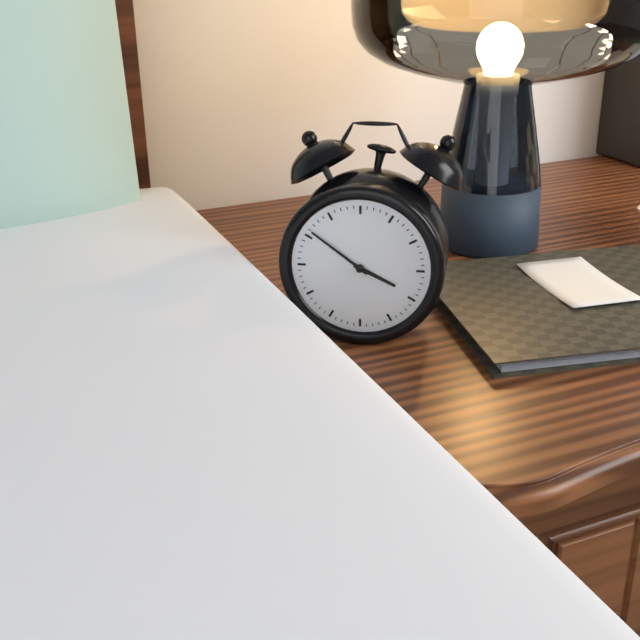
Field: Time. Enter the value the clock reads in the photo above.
3:51
